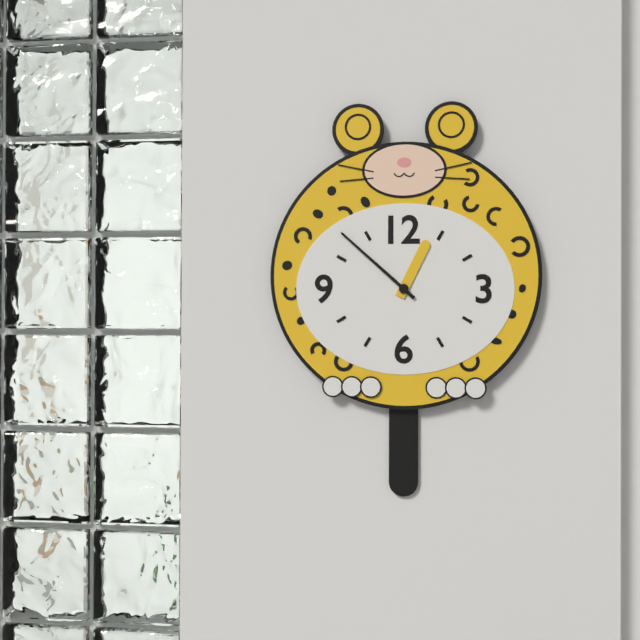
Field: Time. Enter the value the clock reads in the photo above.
12:52
